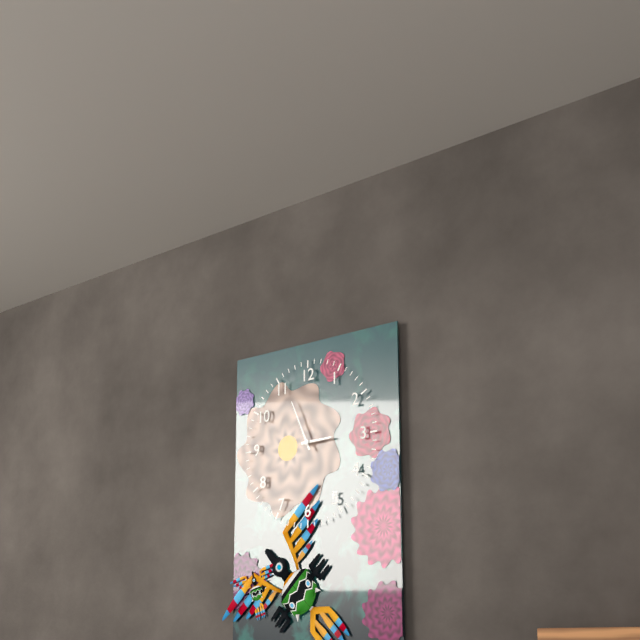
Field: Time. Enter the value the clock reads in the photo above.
2:56
